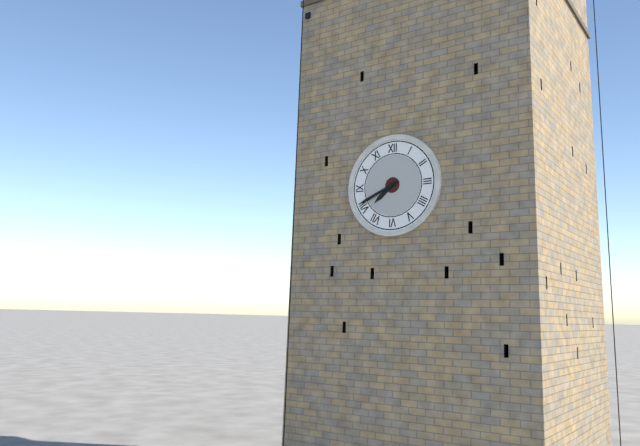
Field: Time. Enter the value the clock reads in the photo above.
7:41
